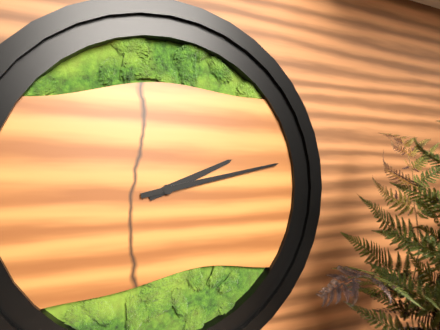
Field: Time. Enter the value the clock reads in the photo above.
2:13
